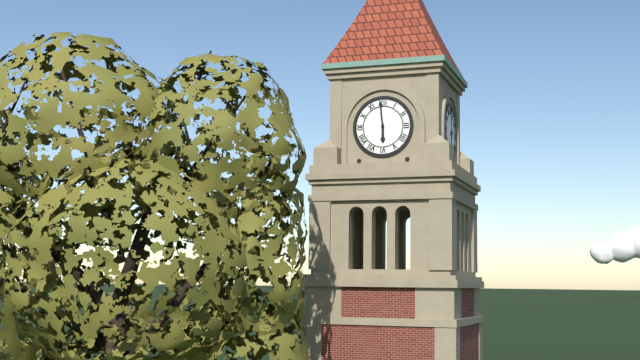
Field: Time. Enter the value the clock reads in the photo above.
5:59
